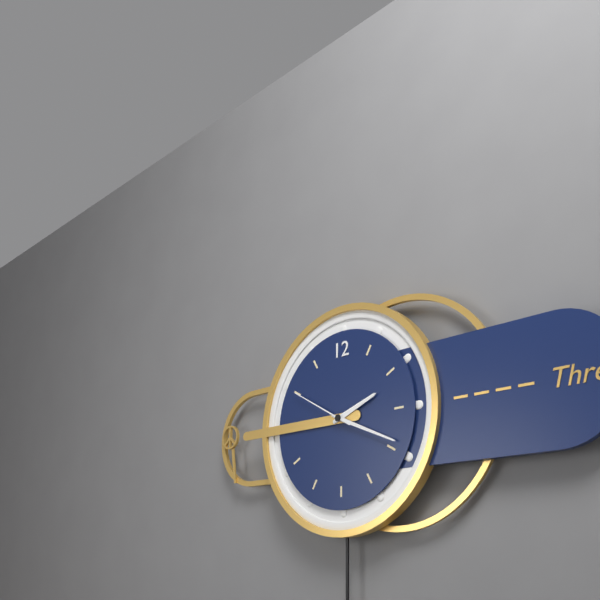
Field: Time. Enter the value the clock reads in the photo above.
2:19:50
